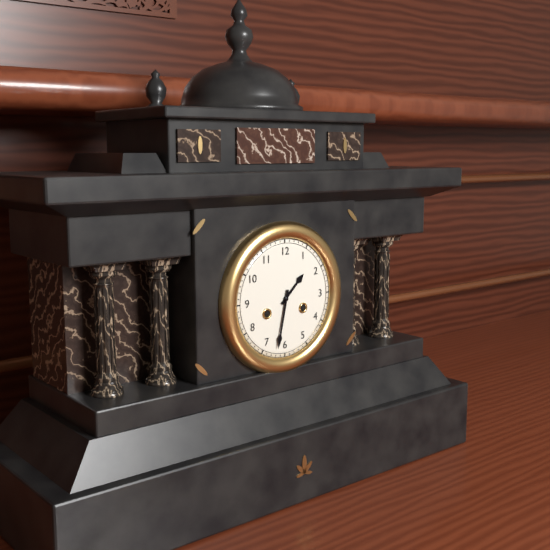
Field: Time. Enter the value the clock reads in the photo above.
1:32
